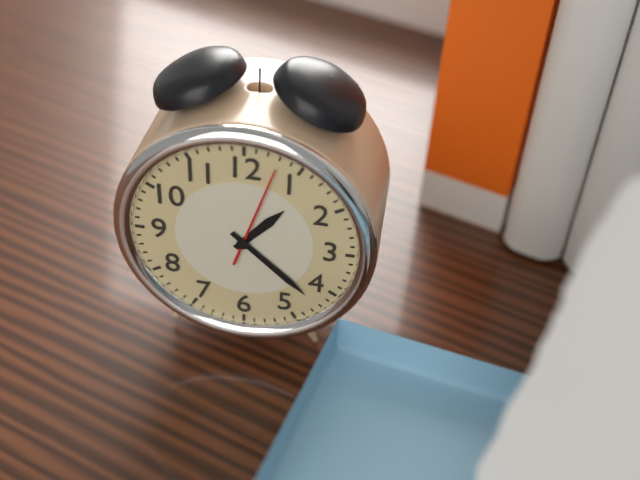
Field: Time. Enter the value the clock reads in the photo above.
1:22:03
